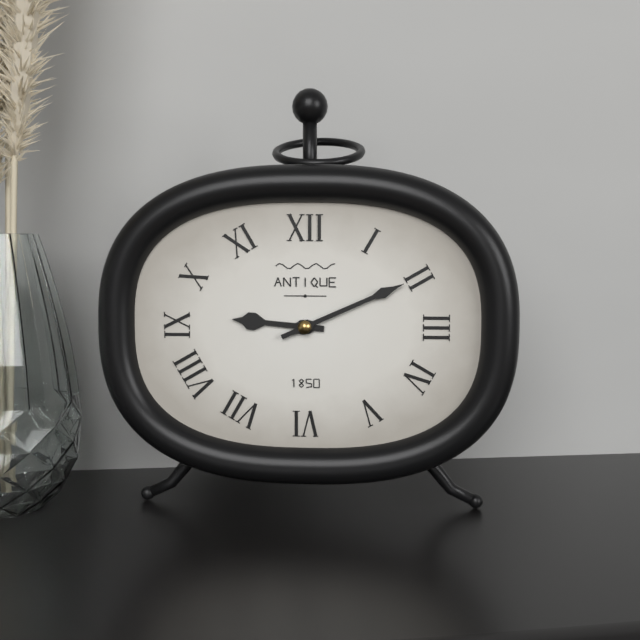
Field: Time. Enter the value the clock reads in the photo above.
9:11
